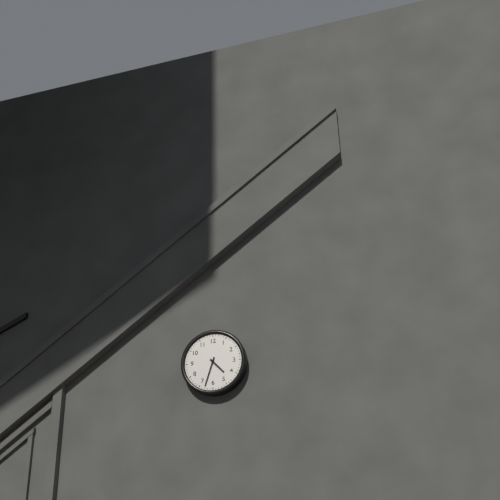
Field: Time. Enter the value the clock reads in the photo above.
4:33
